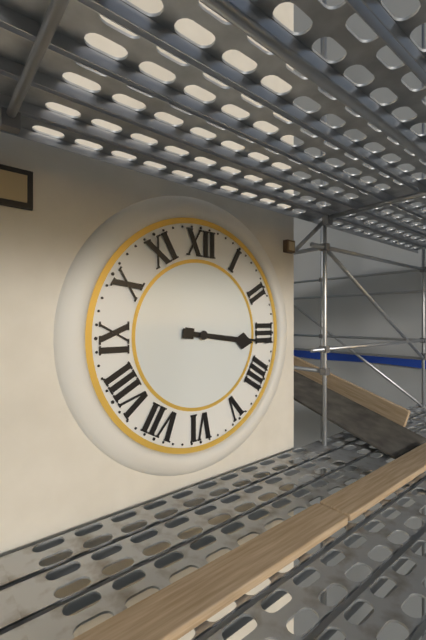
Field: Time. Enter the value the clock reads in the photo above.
3:16
